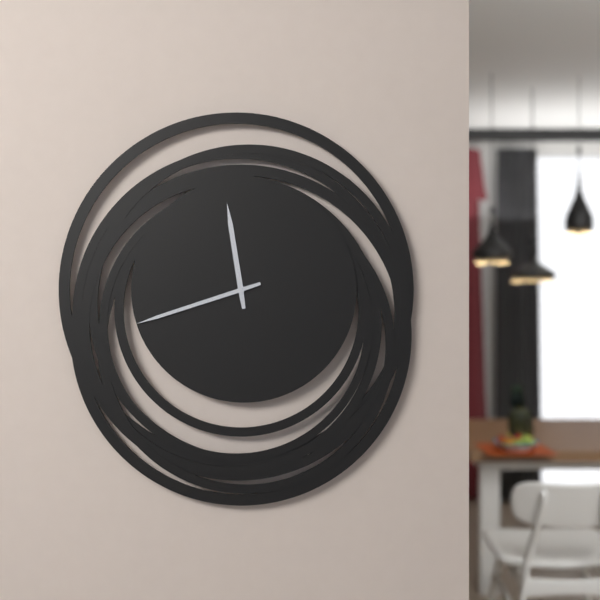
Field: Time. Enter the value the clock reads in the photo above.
11:42
